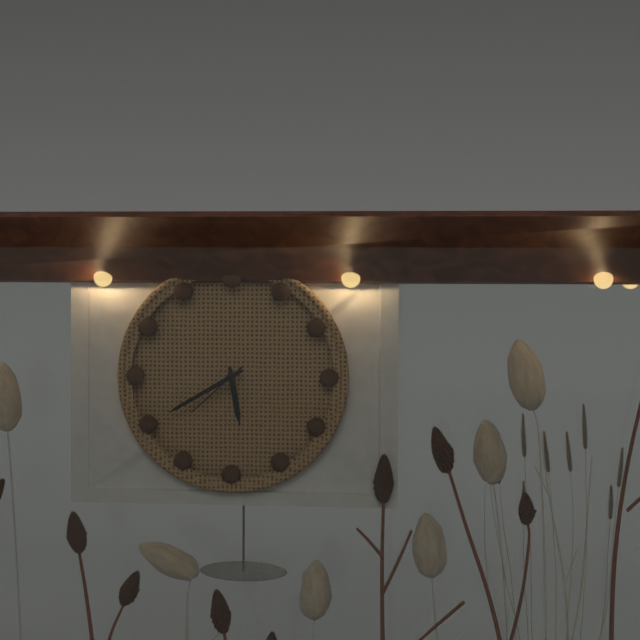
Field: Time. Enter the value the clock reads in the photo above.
5:40:38
